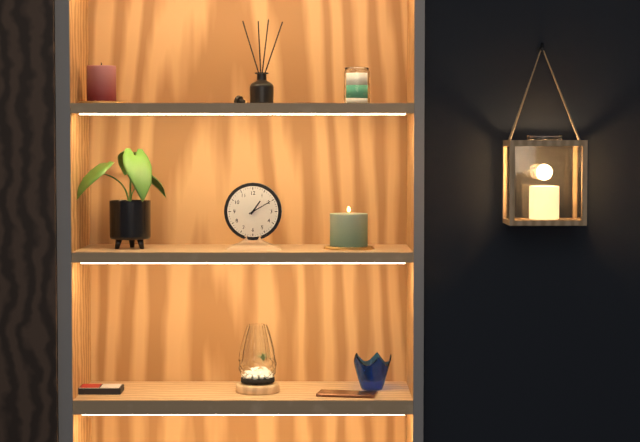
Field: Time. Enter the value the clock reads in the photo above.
1:10
